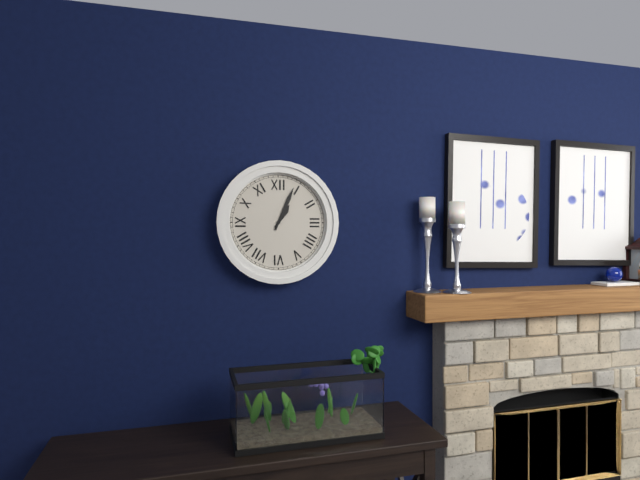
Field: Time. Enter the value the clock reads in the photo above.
1:04
